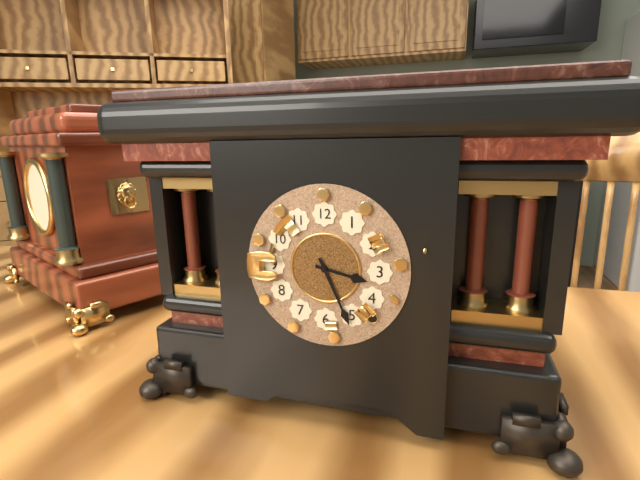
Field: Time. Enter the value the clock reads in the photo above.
3:26
